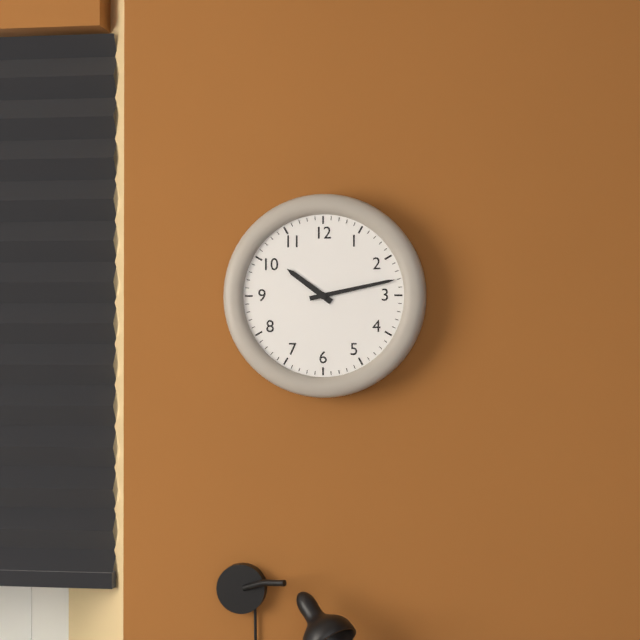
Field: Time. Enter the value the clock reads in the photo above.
10:13
